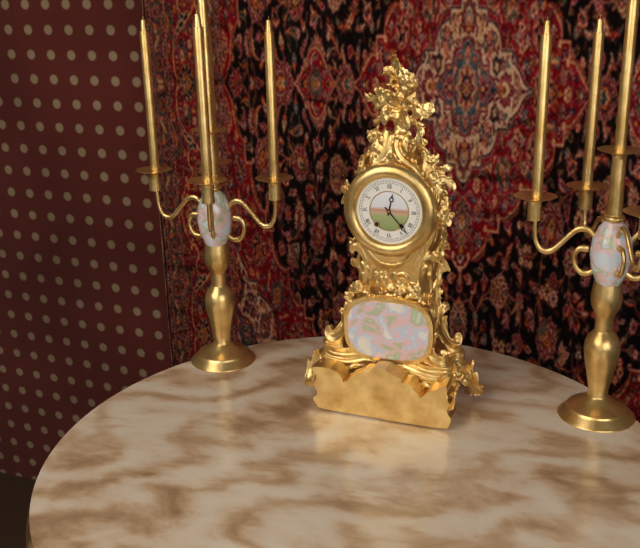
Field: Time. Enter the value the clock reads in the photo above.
12:23
